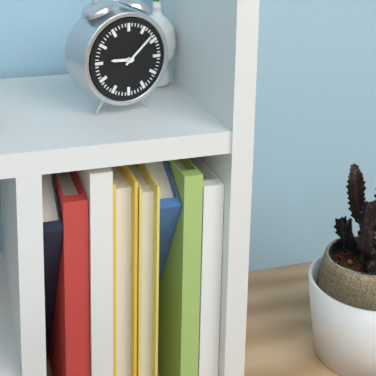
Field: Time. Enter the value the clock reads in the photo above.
9:08
